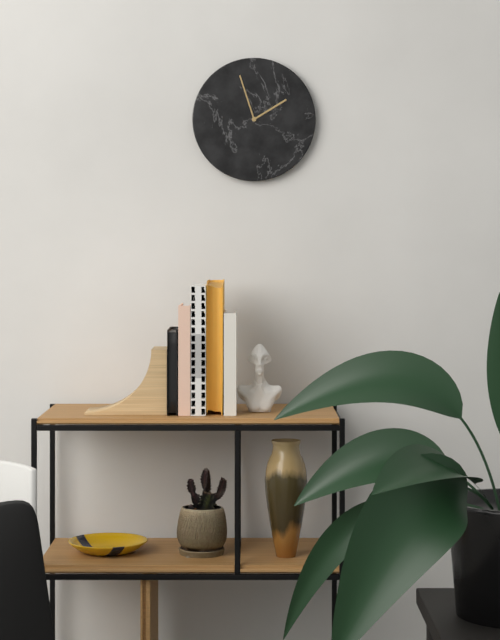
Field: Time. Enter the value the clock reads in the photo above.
1:57
